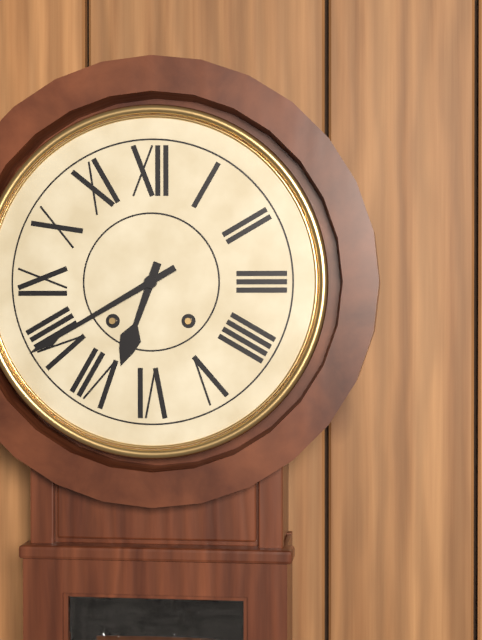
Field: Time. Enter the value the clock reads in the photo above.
6:40
